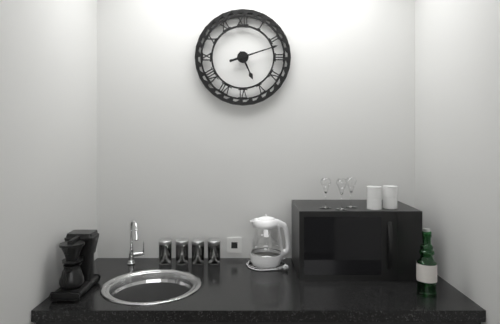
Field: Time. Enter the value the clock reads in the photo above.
5:12
